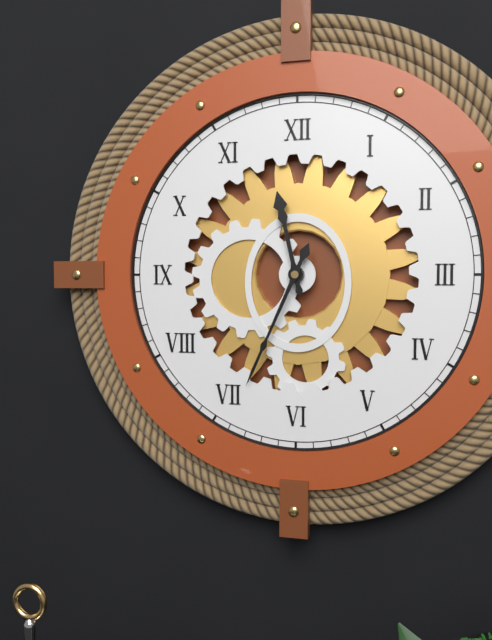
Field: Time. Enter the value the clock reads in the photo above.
11:34
